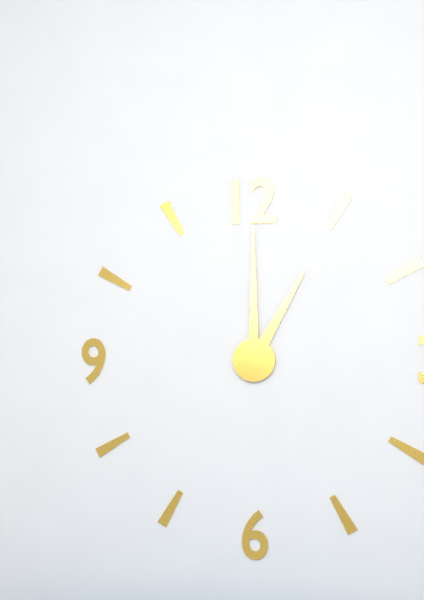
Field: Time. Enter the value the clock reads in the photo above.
1:00
